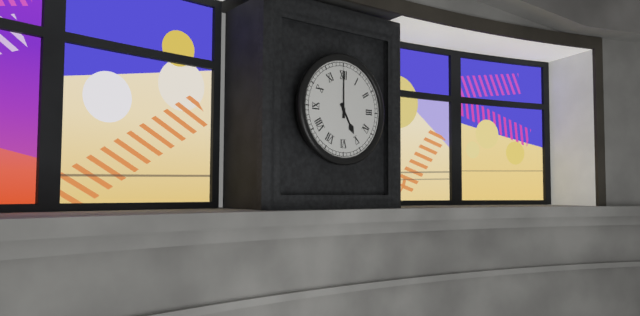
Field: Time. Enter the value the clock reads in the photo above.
5:00
